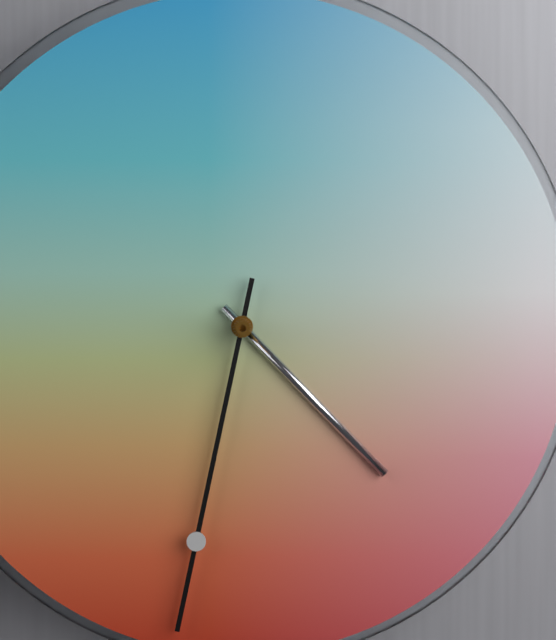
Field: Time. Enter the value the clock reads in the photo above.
4:32
